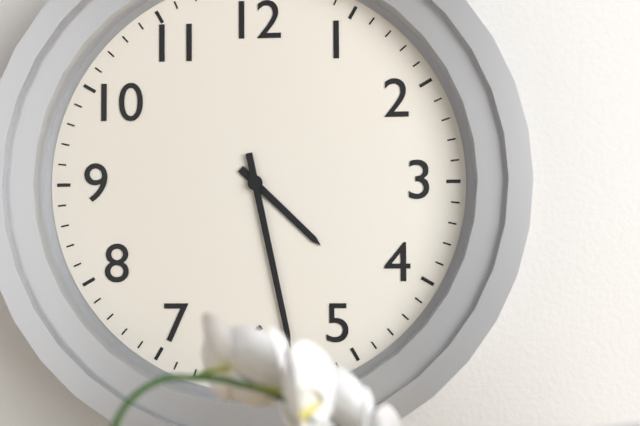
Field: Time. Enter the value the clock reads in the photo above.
4:28
